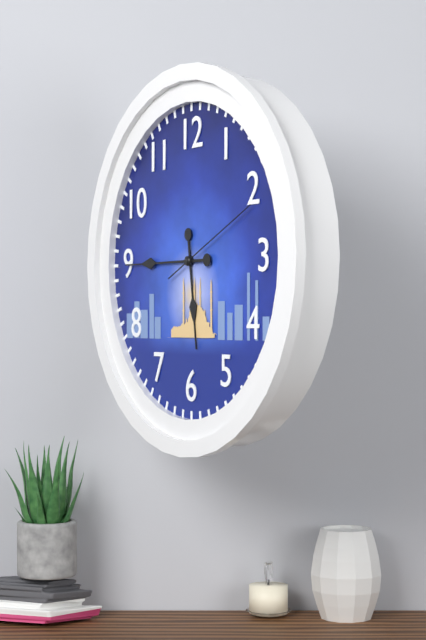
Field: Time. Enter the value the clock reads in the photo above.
5:45:11
